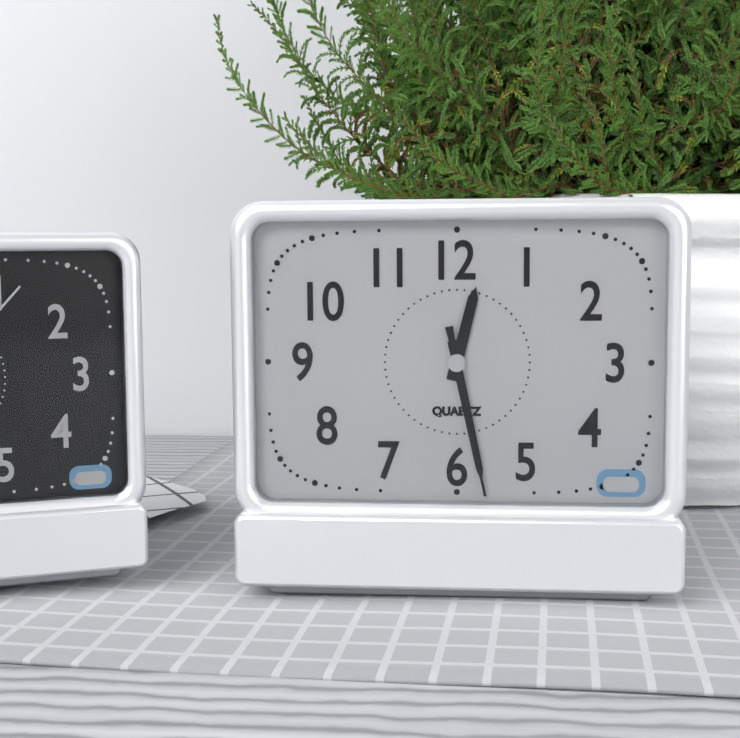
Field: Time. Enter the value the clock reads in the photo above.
12:28:28
